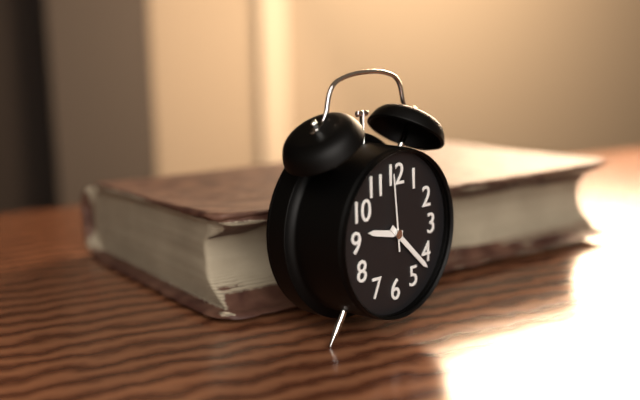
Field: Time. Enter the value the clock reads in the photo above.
9:22:59
